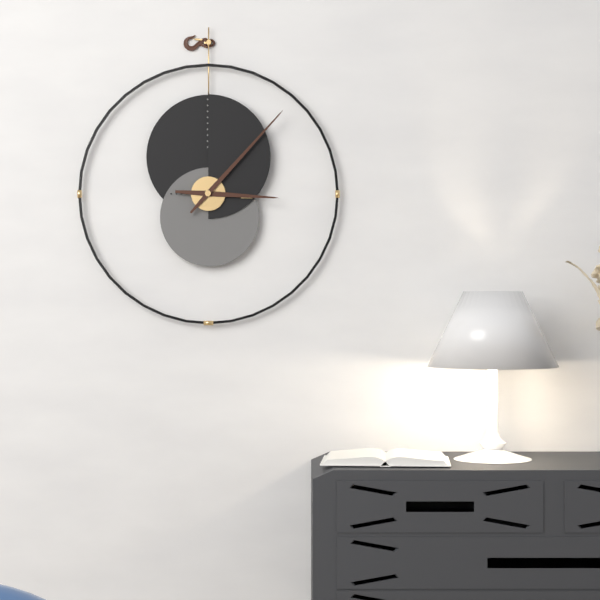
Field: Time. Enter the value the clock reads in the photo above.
3:07
